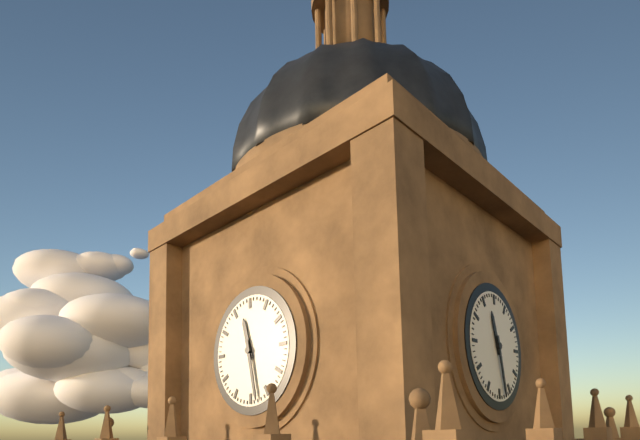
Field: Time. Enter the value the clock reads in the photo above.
11:28
